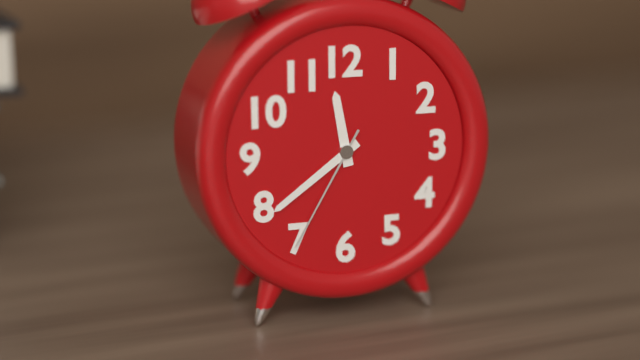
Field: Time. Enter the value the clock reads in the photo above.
11:39:35
